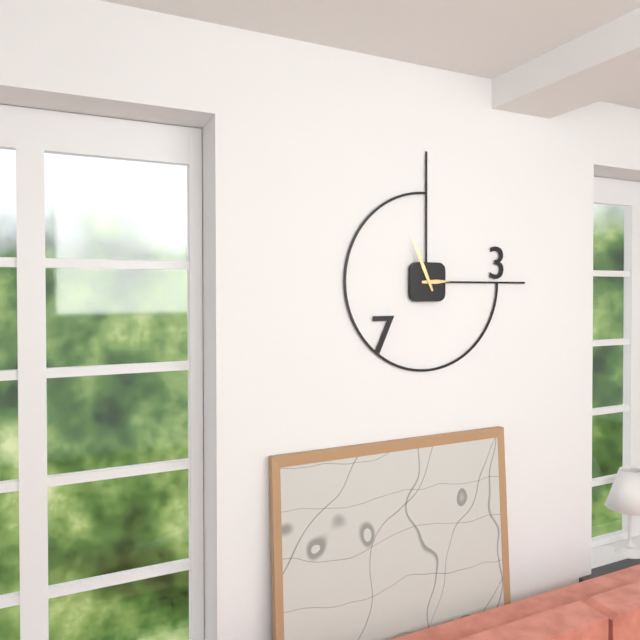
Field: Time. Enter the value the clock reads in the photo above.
2:56
